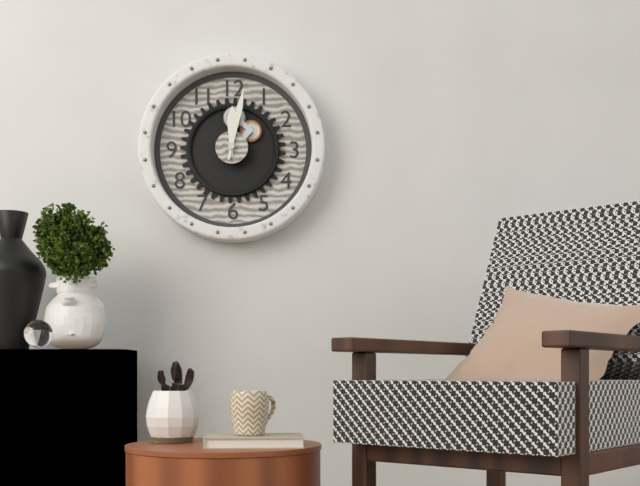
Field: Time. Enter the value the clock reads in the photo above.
12:02
